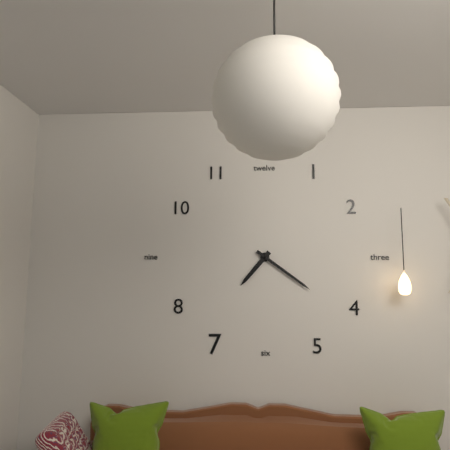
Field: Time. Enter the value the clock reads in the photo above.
7:21
